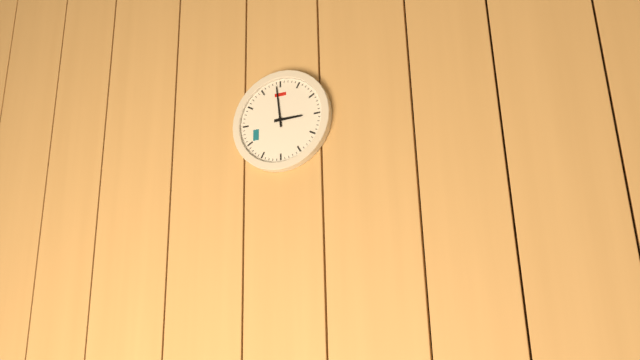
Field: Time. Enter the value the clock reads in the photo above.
2:59
